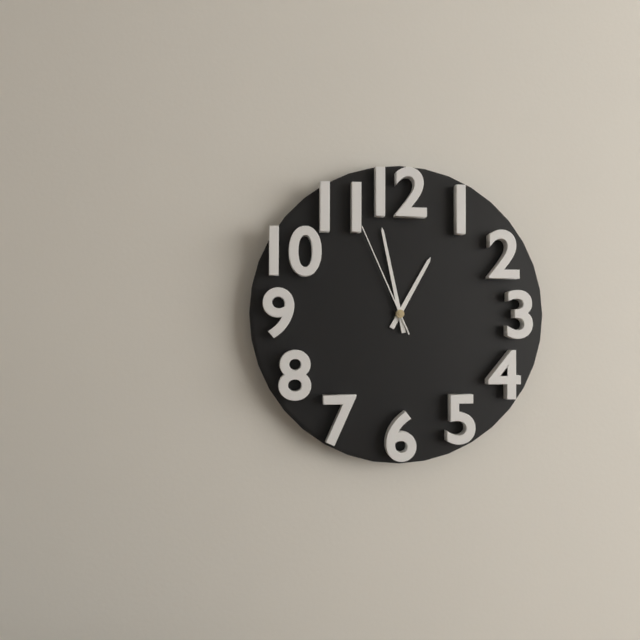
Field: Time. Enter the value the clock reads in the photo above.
12:58:56
